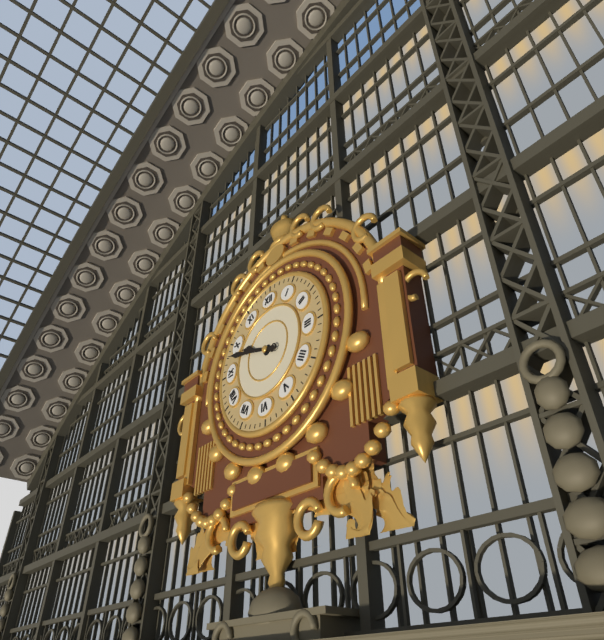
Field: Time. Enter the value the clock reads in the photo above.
9:48
